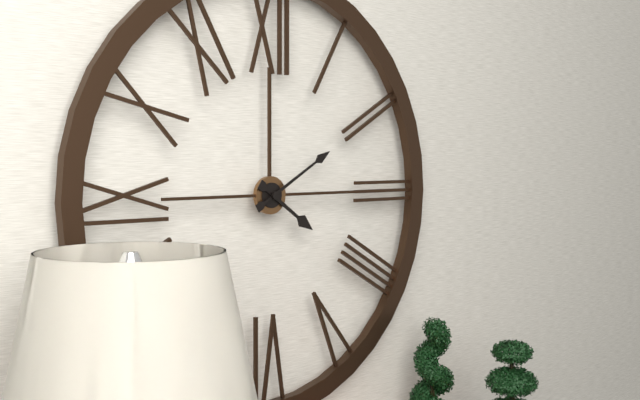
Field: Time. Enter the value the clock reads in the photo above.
4:10
